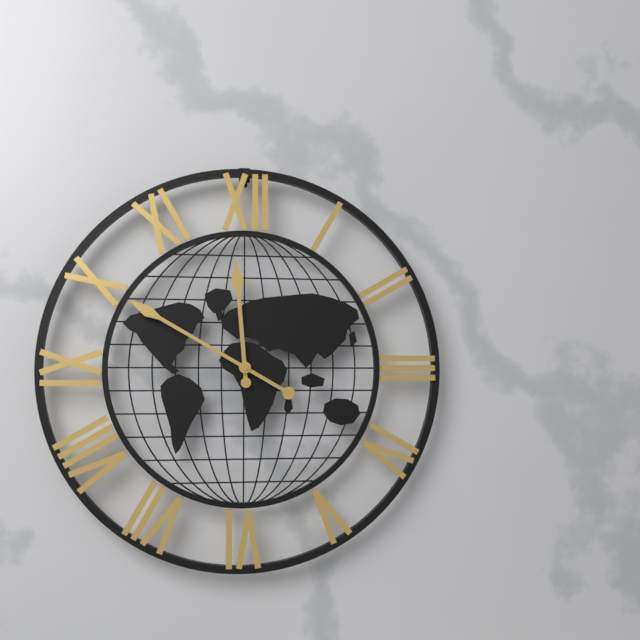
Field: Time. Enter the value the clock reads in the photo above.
11:50
